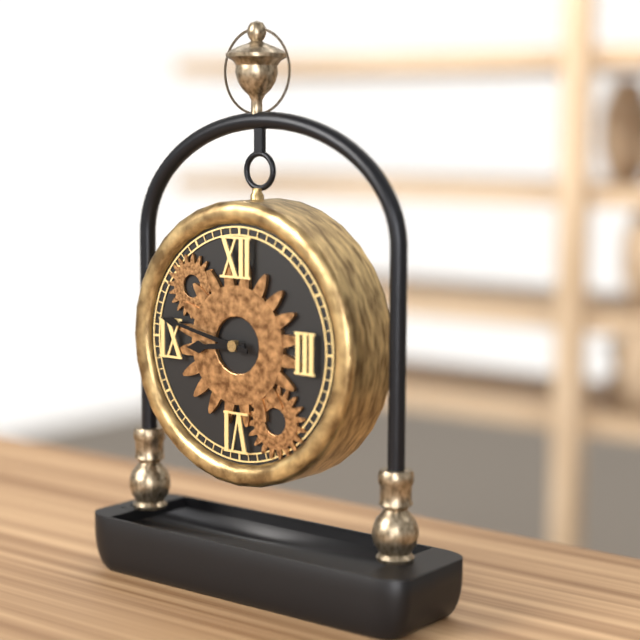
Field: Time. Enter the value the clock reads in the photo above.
8:47
